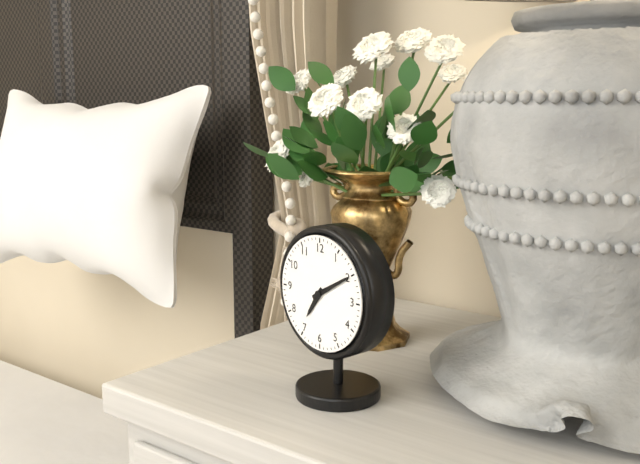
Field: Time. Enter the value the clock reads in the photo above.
7:10
